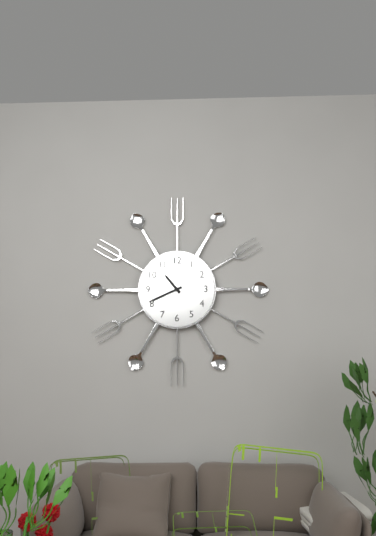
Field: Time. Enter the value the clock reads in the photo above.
10:41
